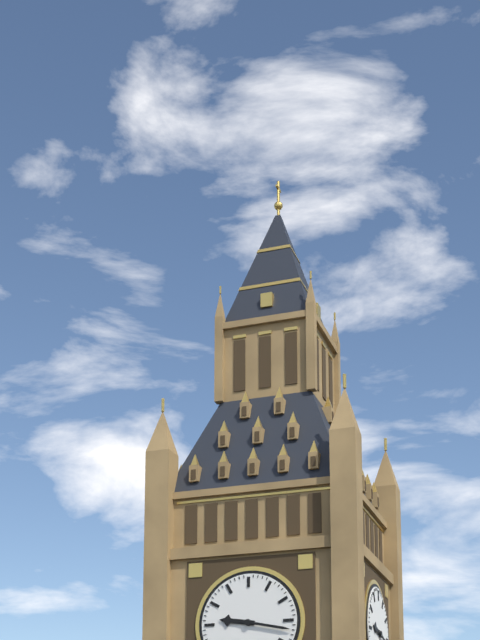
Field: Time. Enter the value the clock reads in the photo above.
9:17
